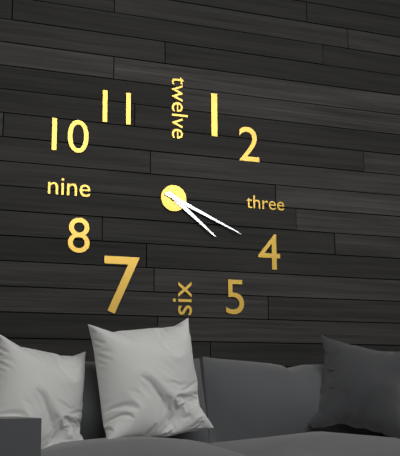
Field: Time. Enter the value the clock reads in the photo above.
4:19
